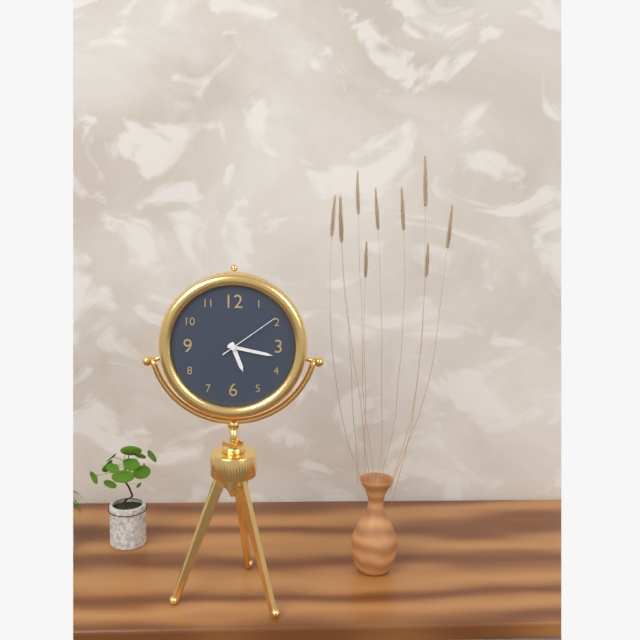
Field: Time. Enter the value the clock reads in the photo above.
5:17:09
